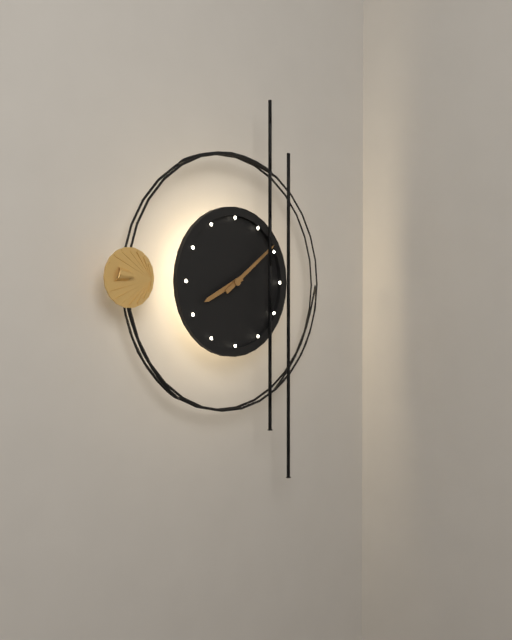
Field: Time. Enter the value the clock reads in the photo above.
8:09
